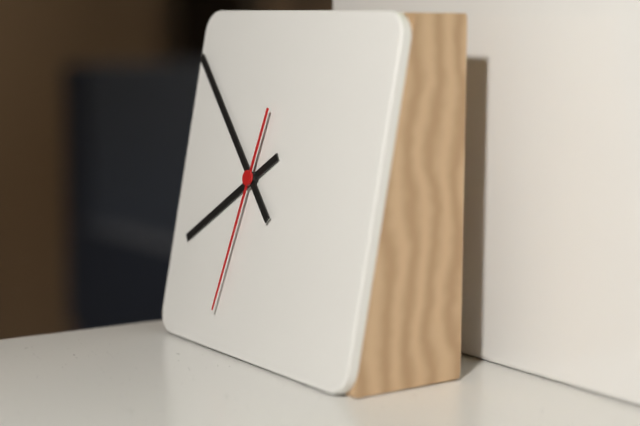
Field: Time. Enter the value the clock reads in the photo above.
7:52:32
